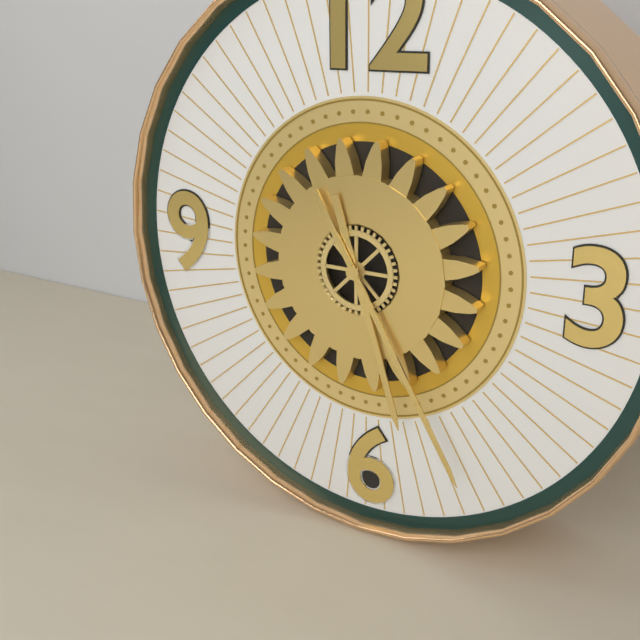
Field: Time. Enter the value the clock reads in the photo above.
5:25
